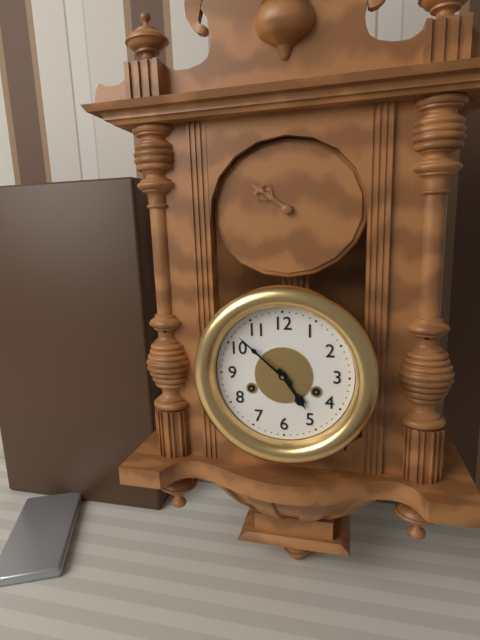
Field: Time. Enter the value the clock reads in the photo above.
4:52
